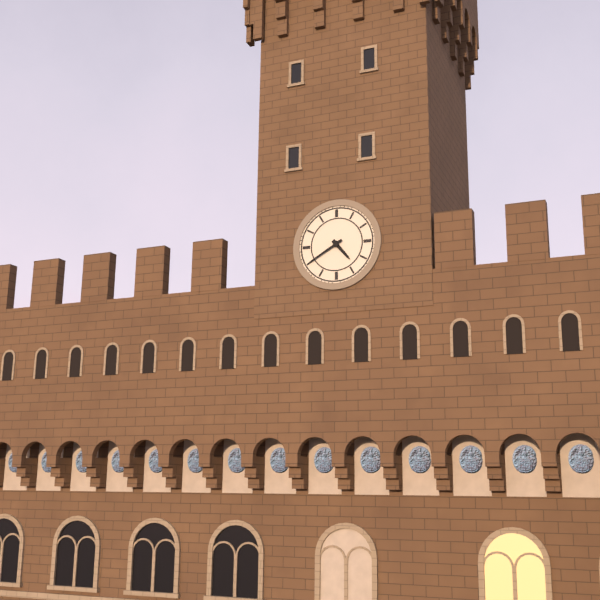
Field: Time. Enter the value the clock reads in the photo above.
4:40
